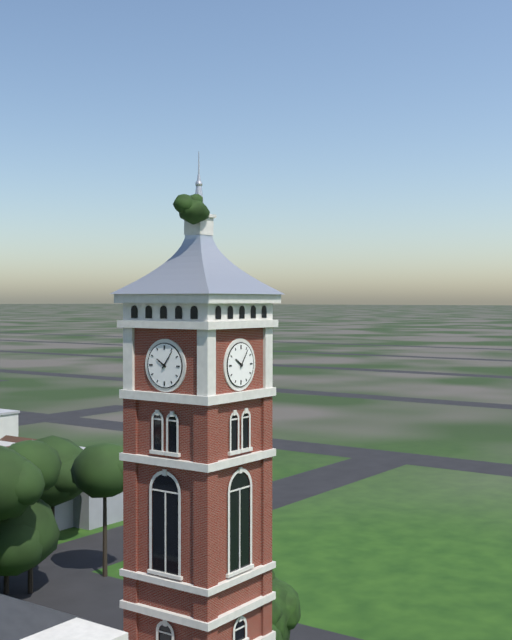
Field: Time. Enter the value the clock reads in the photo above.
10:06
